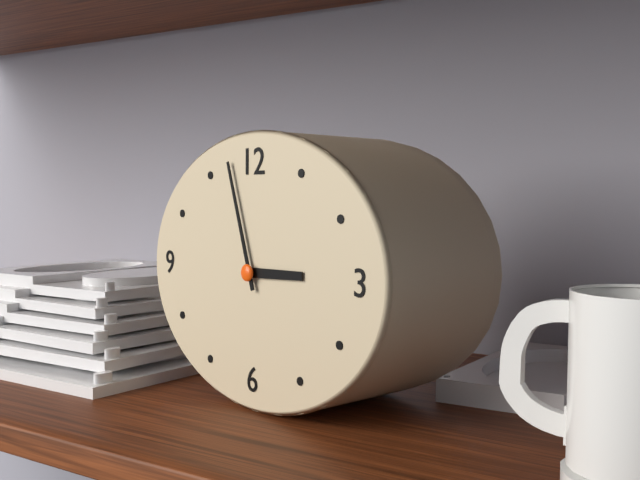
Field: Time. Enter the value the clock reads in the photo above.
2:57
